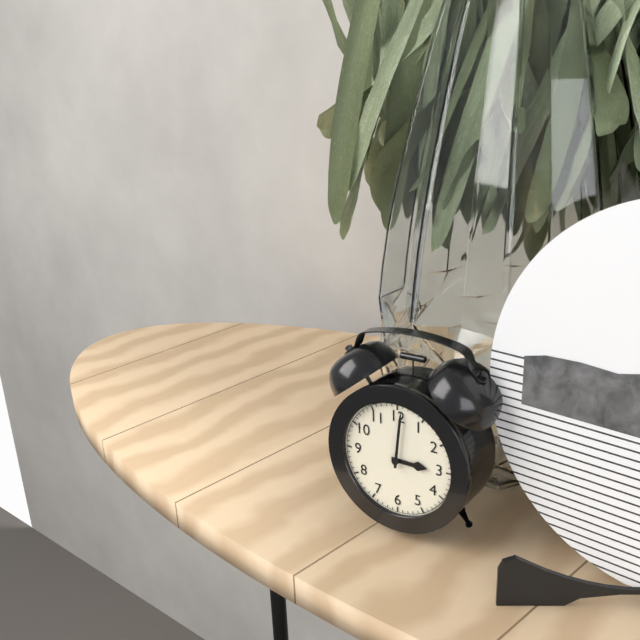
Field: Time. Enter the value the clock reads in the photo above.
3:01
